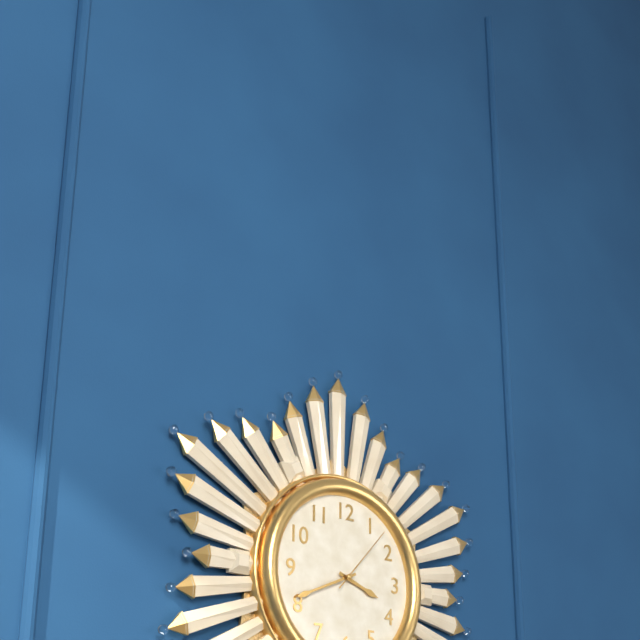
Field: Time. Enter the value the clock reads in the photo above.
3:41:07
